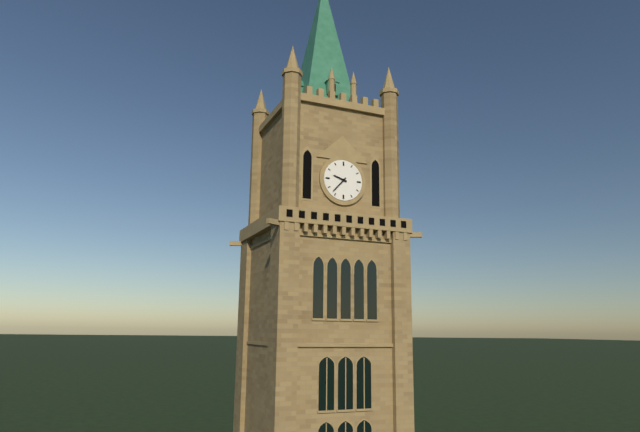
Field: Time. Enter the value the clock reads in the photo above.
9:37
